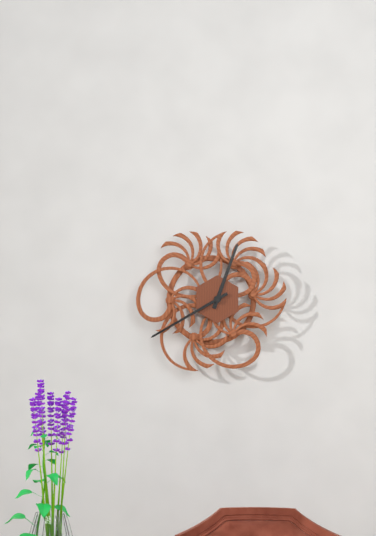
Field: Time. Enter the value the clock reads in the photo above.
12:40
